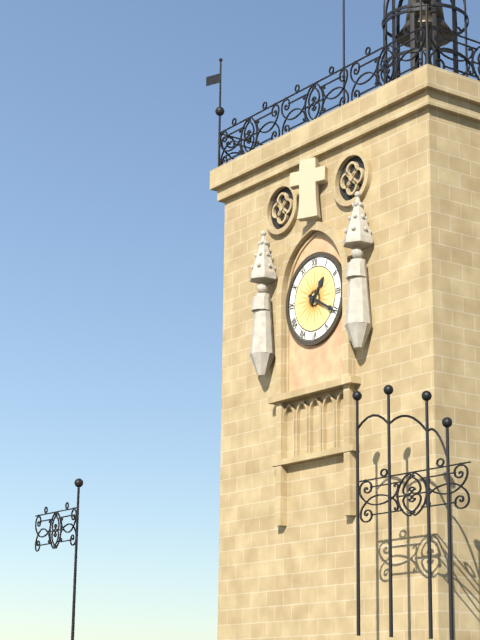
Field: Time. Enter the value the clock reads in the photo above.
1:20
